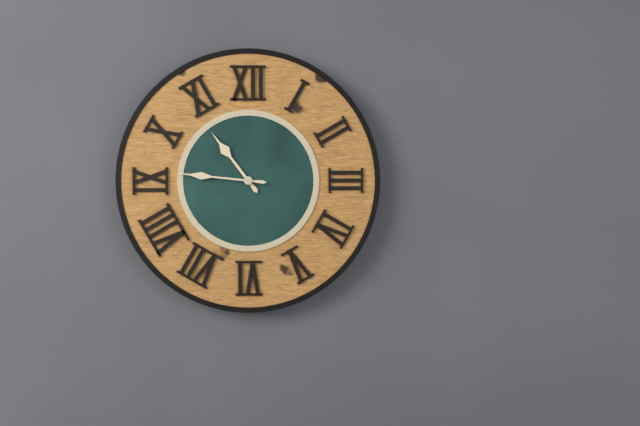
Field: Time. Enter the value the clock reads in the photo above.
10:46
